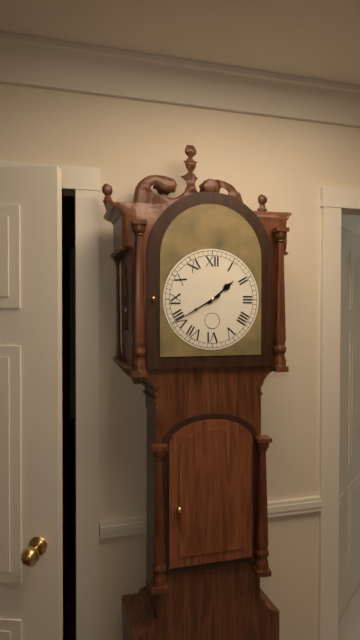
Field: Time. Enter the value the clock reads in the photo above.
1:40
